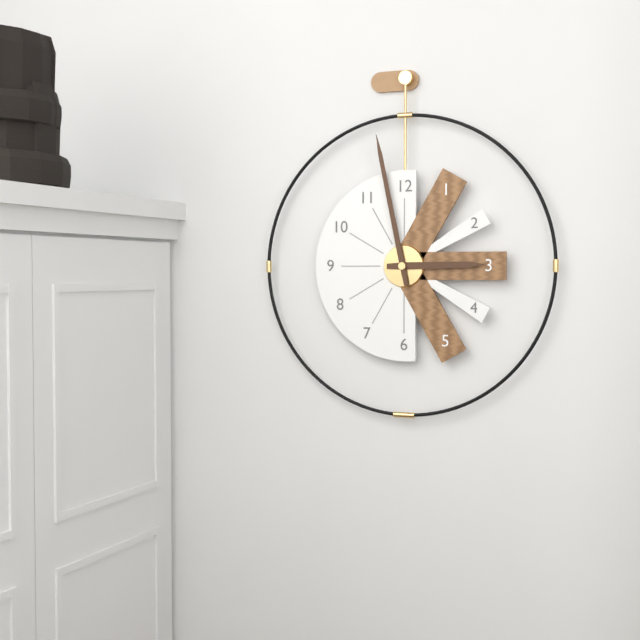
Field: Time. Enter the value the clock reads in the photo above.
2:58
